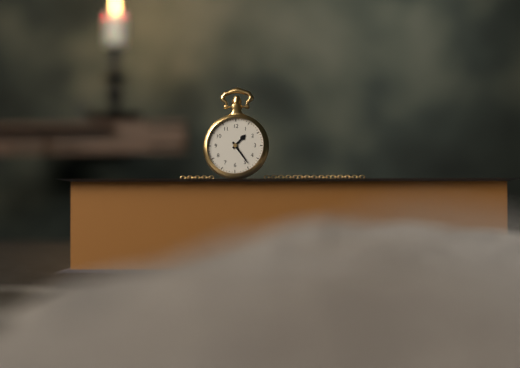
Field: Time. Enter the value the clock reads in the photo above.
1:24
